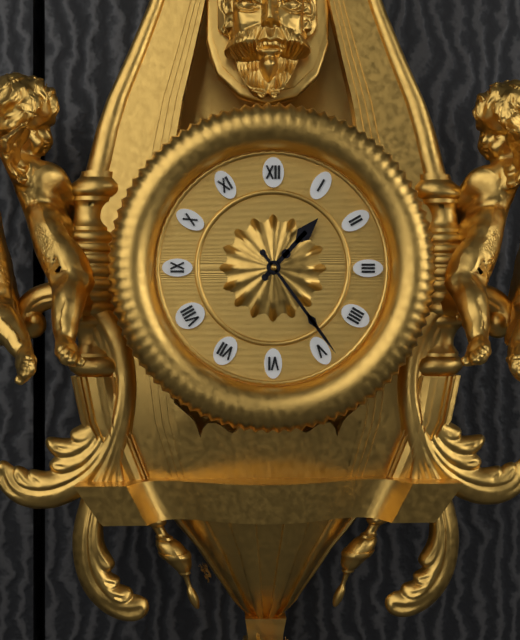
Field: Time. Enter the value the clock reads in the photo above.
1:24
